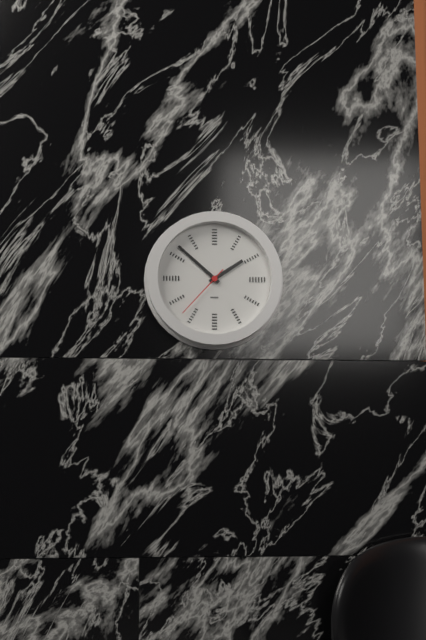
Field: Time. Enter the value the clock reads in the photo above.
1:52:37
